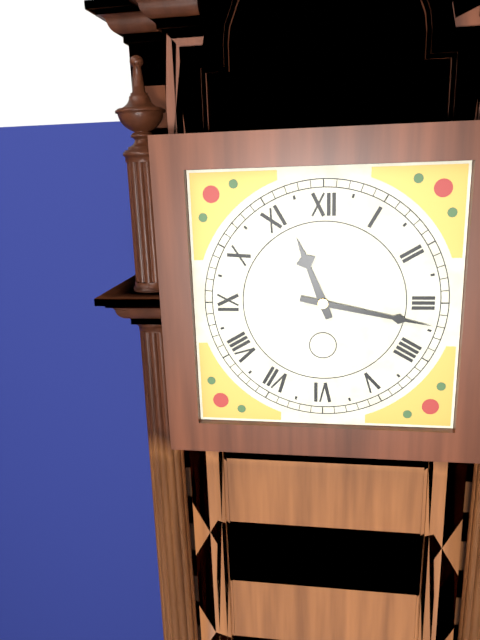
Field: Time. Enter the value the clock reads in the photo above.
11:17
